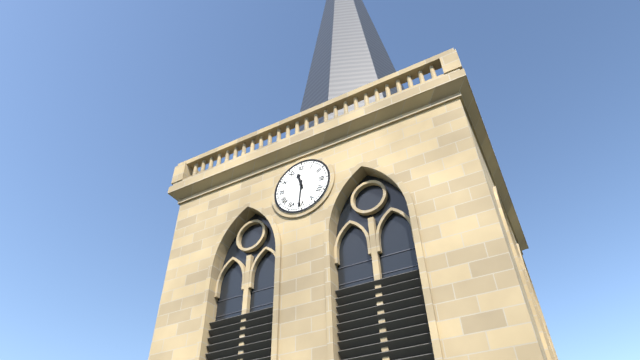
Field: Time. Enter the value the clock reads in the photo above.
11:31
